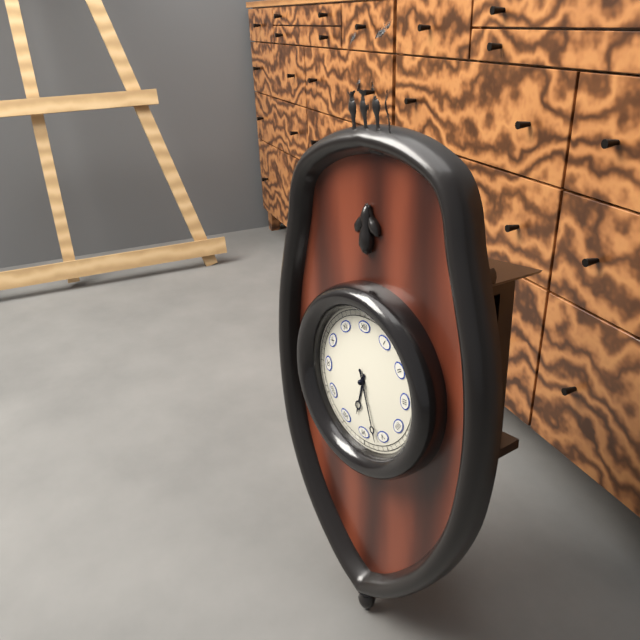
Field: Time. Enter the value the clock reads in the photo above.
6:27
